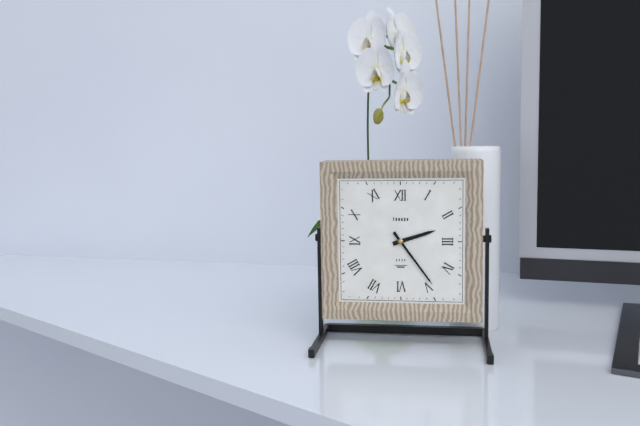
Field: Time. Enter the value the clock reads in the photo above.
2:24
